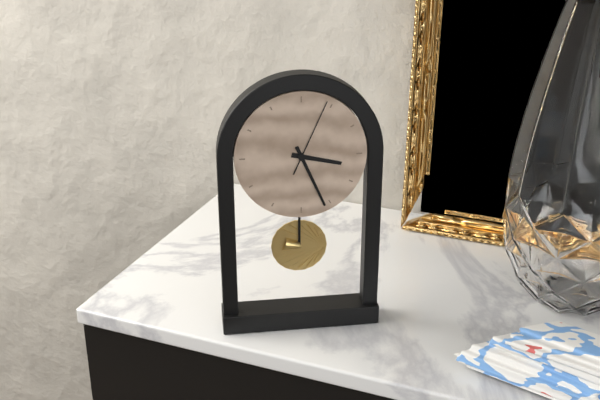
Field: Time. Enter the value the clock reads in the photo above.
3:26:04
